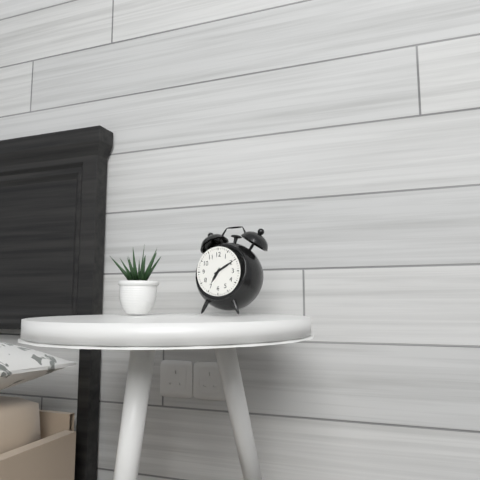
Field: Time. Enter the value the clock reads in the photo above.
7:10
